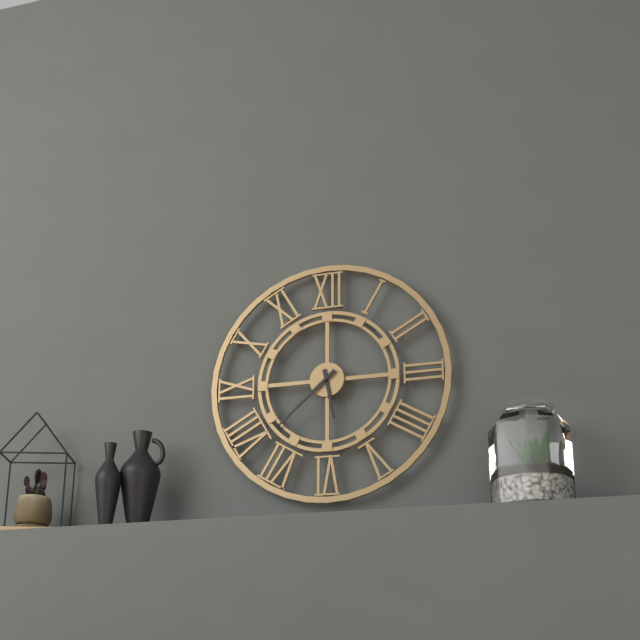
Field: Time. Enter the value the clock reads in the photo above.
5:38
